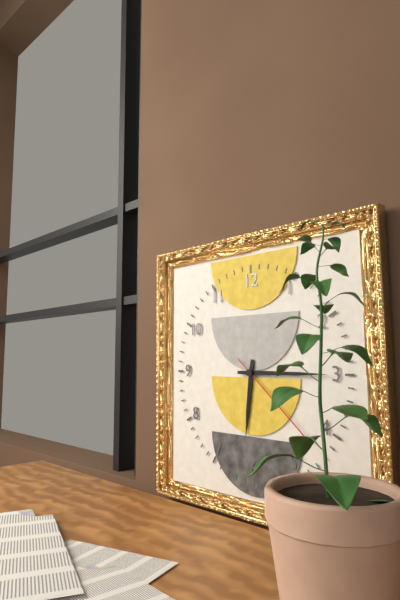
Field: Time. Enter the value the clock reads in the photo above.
6:15:22
